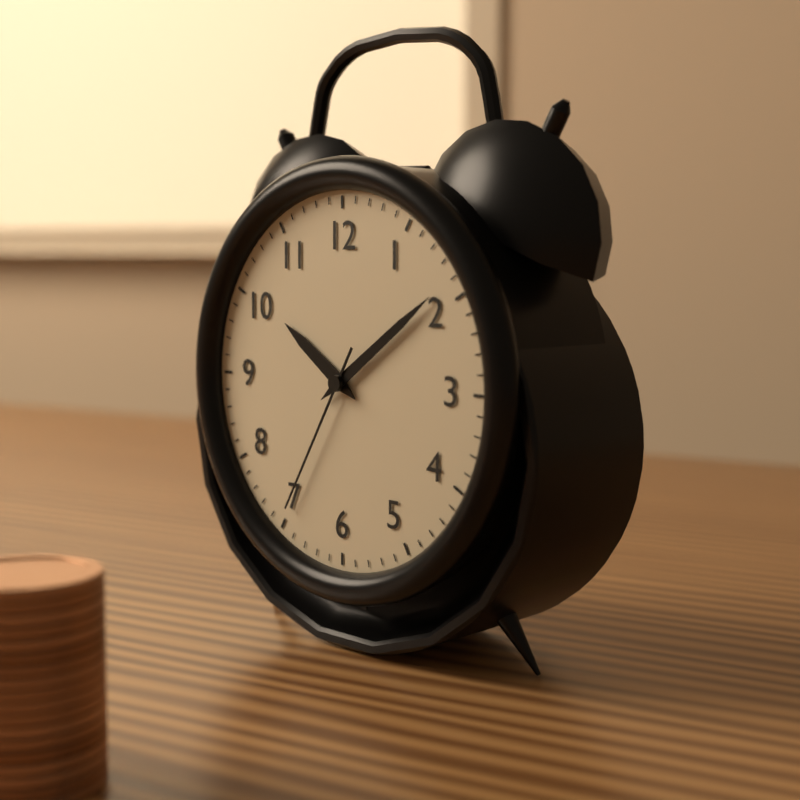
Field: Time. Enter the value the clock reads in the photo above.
10:09:35
